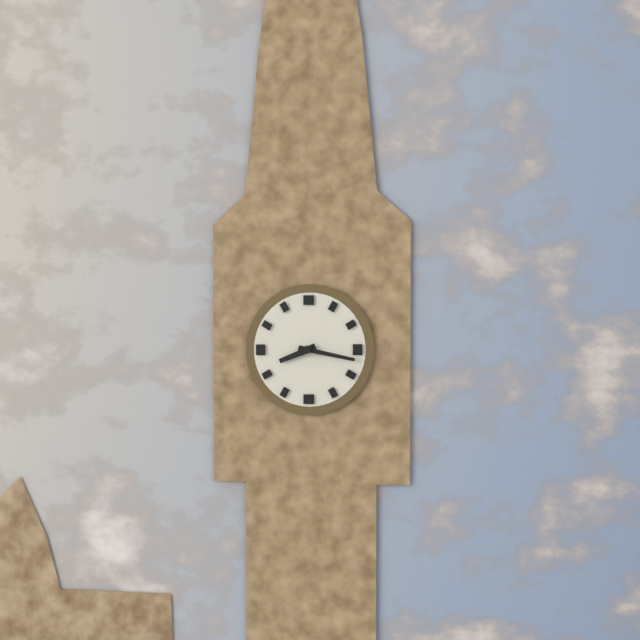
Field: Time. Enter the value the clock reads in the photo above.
8:17
